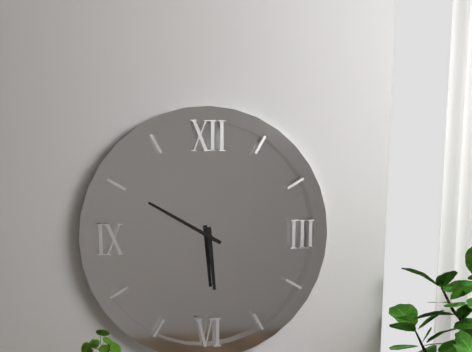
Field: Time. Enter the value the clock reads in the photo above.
5:50
